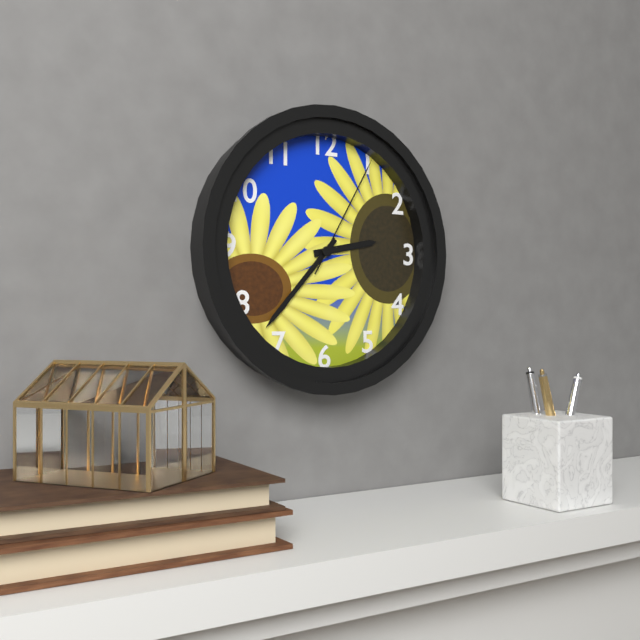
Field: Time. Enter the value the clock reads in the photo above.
2:37:05
